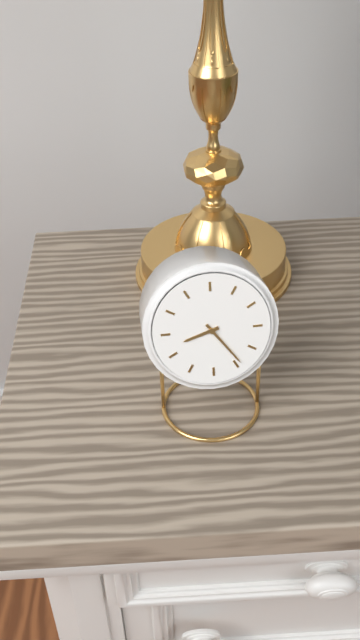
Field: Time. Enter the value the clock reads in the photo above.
8:24
